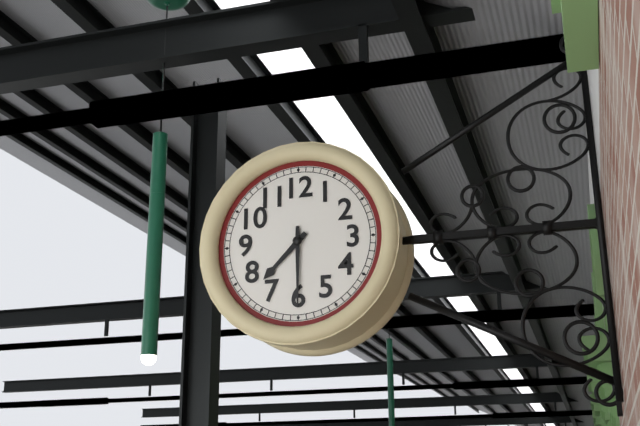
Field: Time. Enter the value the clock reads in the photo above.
7:30
